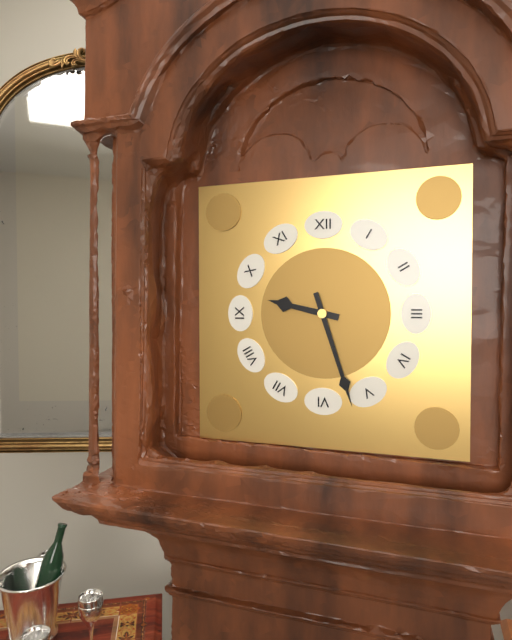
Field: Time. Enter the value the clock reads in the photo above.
9:27
